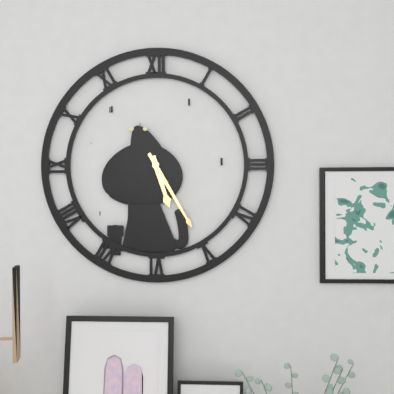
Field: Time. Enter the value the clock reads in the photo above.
5:25
